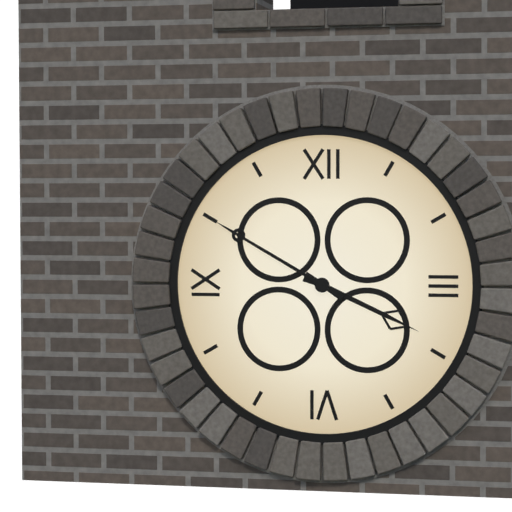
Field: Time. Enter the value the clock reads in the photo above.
3:50
